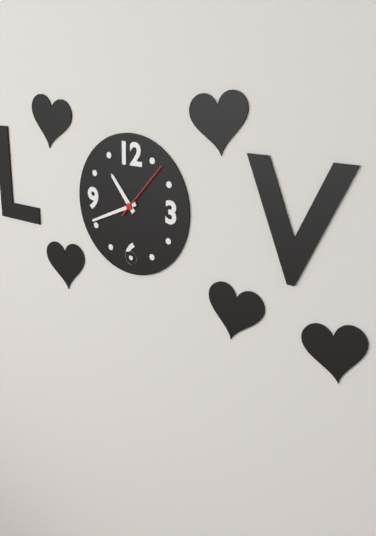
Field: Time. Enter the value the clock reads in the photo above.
10:41:07
